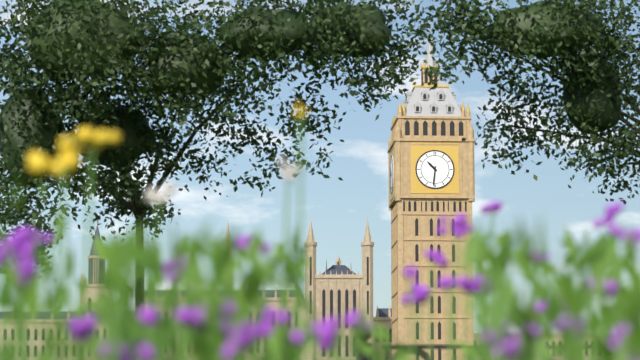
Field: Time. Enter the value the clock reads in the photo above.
10:31
